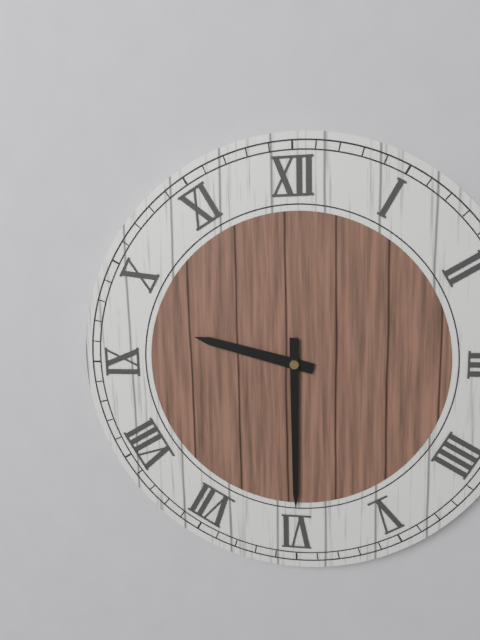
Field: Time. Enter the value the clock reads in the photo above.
9:30
